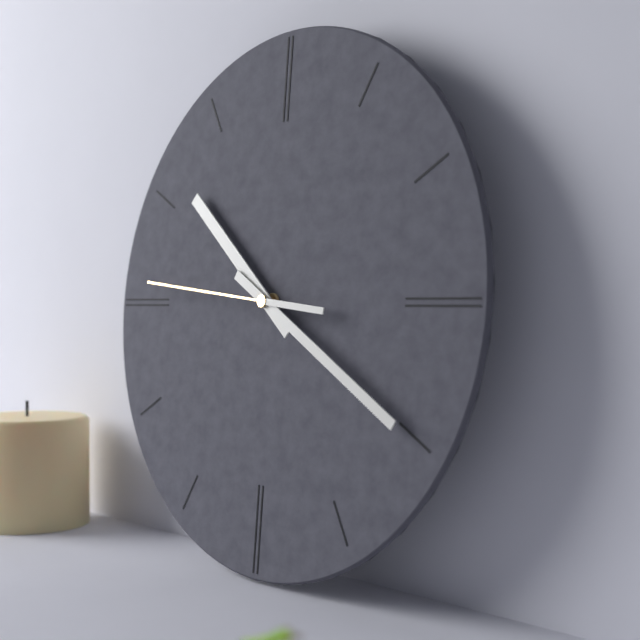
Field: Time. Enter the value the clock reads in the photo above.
10:20:46
